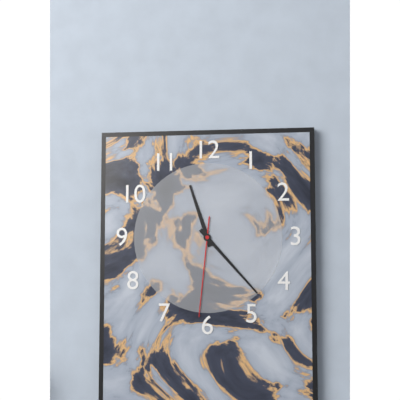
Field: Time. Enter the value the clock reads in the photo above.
11:23:31
